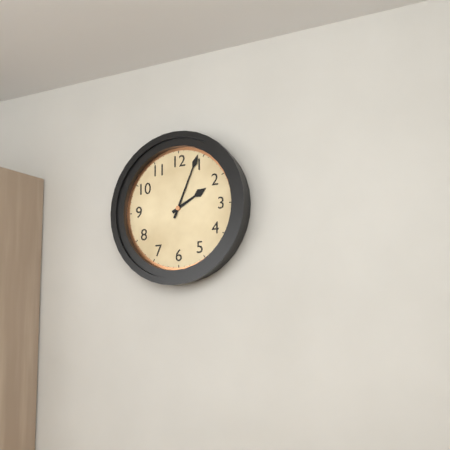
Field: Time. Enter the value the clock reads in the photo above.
2:04
